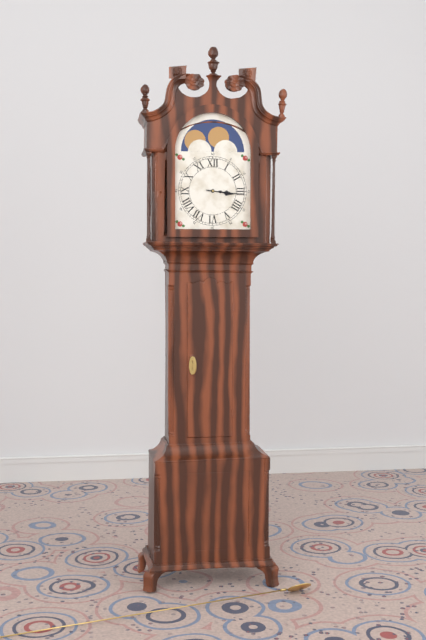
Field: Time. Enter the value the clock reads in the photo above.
3:16
